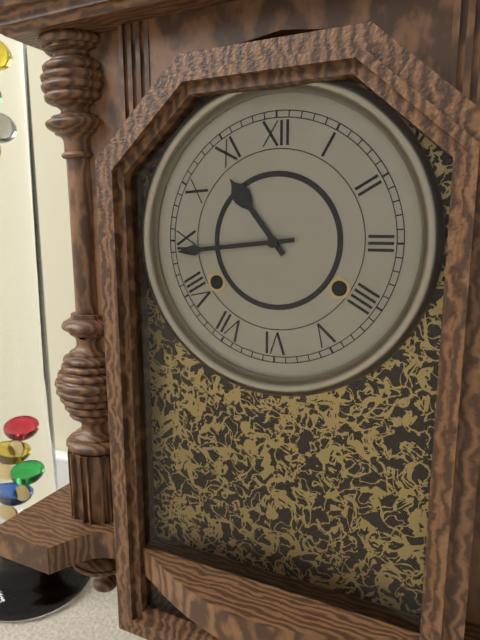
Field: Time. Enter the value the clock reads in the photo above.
10:44
